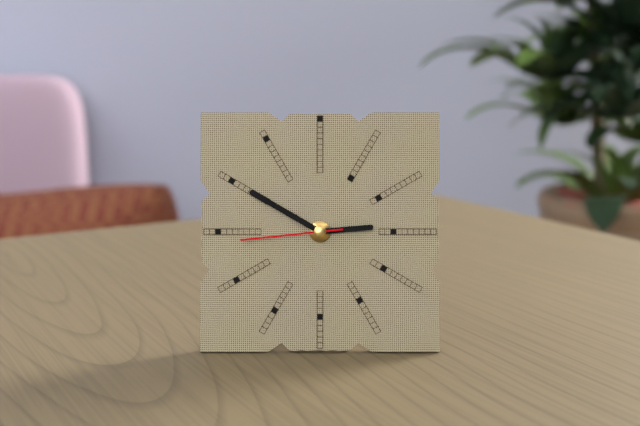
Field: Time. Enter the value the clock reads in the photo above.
2:50:44
